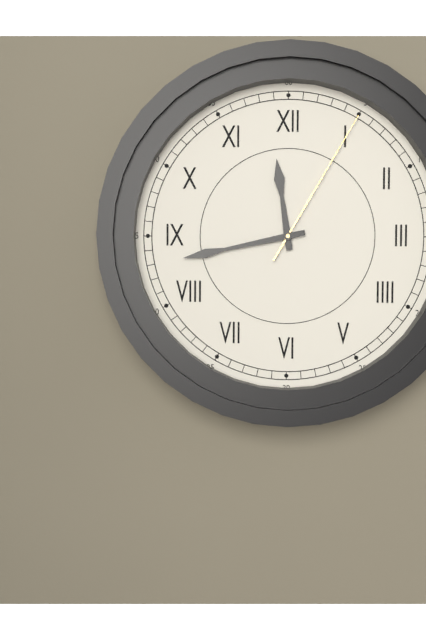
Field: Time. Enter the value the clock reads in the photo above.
11:43:05
